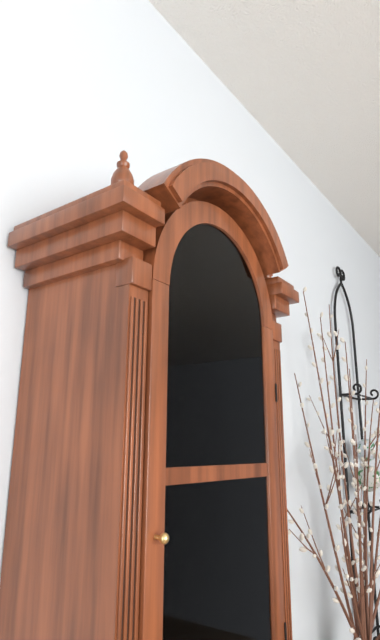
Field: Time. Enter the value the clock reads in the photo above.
5:10
